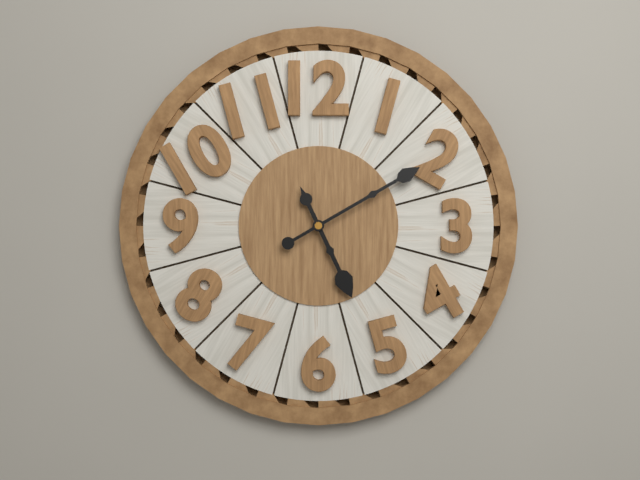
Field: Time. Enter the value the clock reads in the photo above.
5:10
